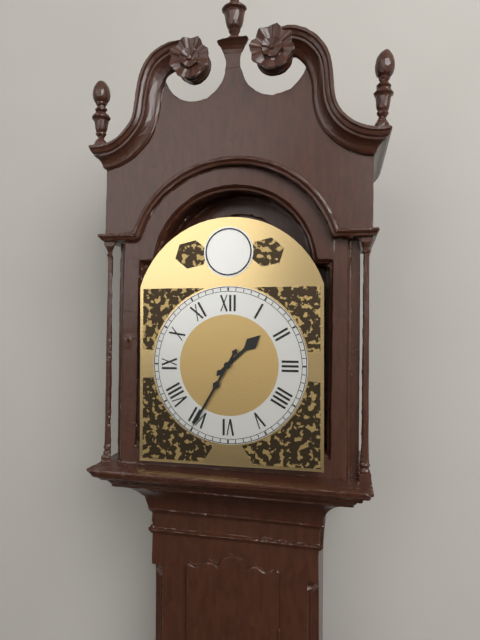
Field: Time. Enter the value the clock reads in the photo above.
1:35
